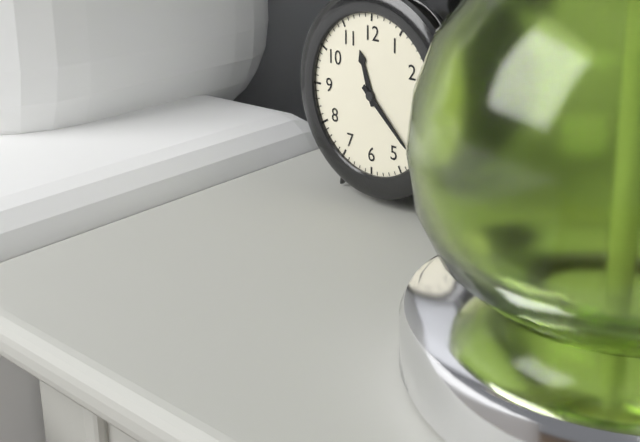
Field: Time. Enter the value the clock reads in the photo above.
11:22
